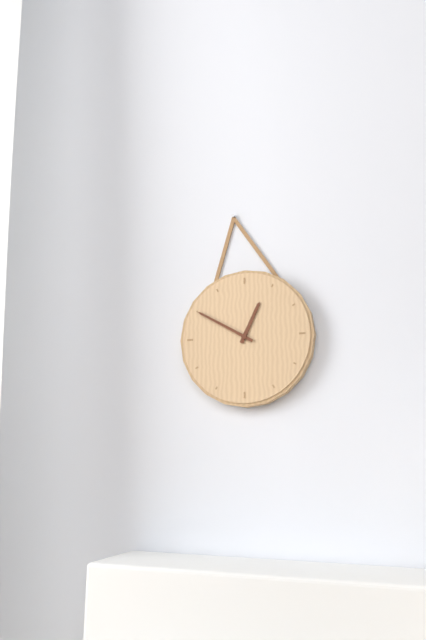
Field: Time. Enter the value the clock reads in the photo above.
12:50
